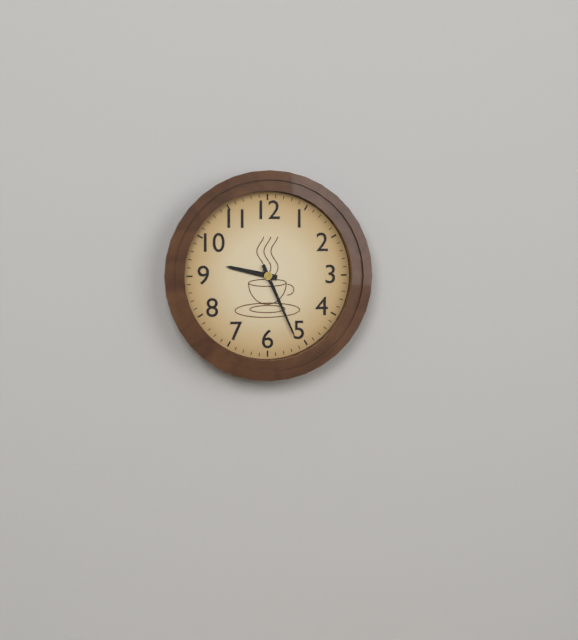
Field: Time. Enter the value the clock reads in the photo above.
9:26
